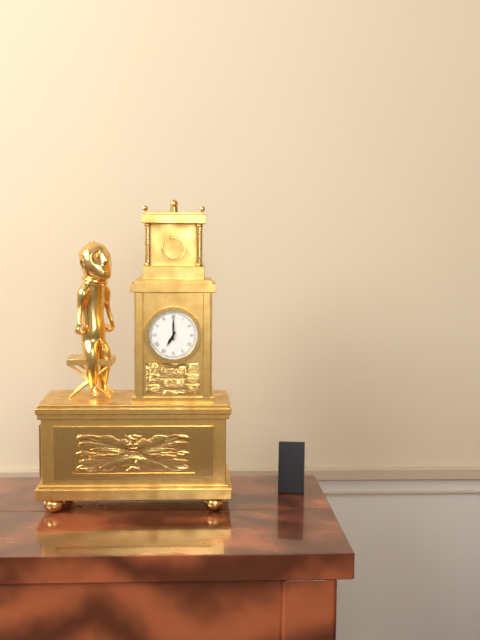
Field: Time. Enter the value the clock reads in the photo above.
7:00
